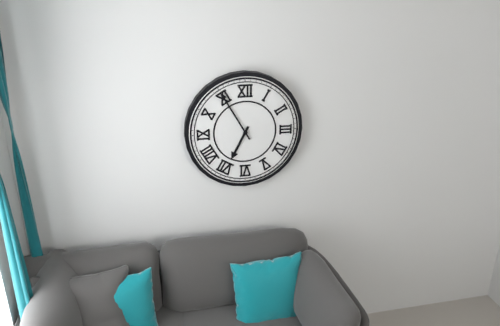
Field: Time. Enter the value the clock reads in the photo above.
6:55
